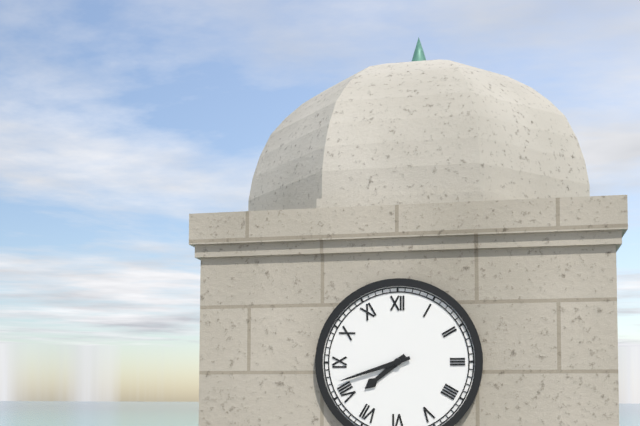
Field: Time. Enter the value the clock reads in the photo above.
7:42
